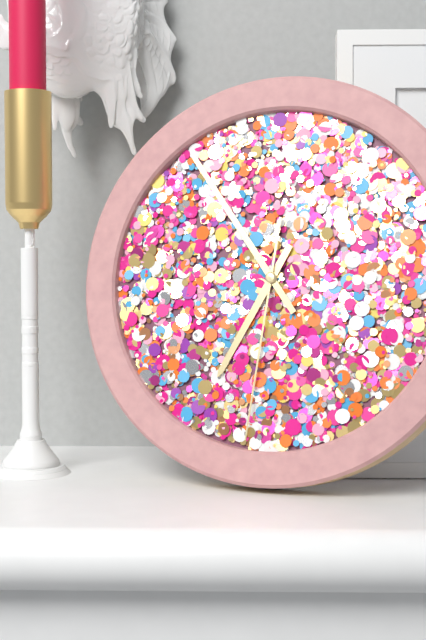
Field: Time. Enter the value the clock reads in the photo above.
6:54:31
